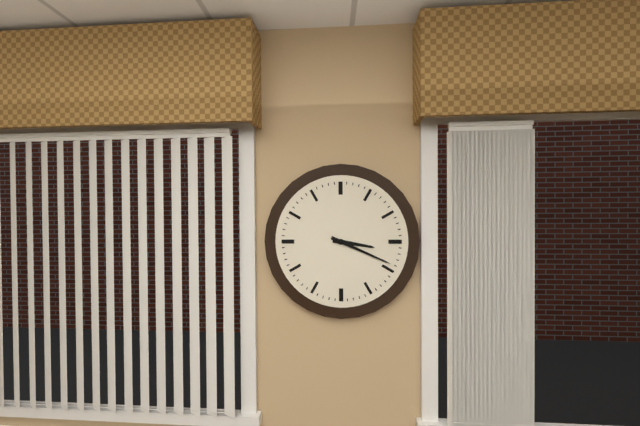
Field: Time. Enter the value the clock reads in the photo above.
3:19
